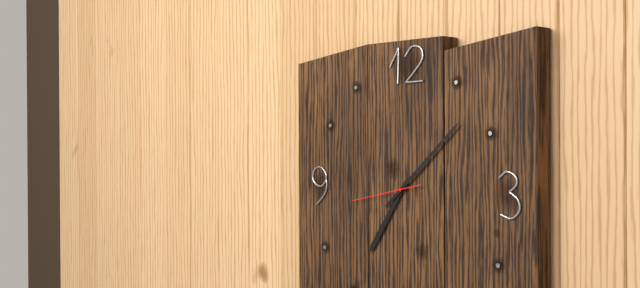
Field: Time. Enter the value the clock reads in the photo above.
7:08:43
